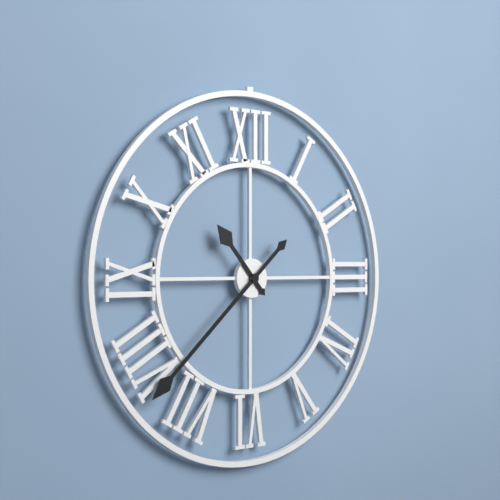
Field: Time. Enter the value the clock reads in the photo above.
10:38
